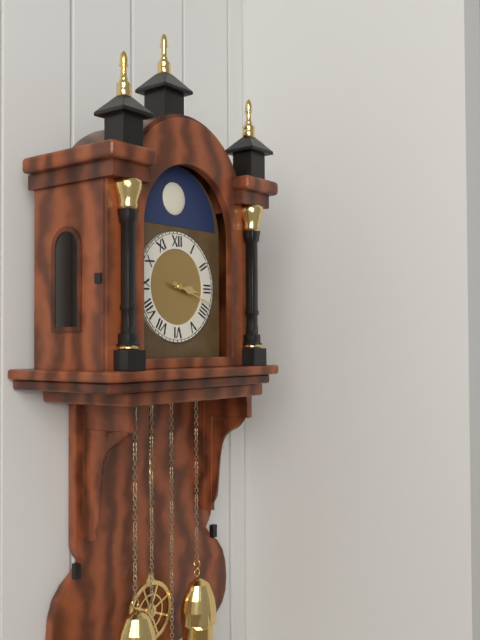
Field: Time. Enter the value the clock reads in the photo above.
3:18
